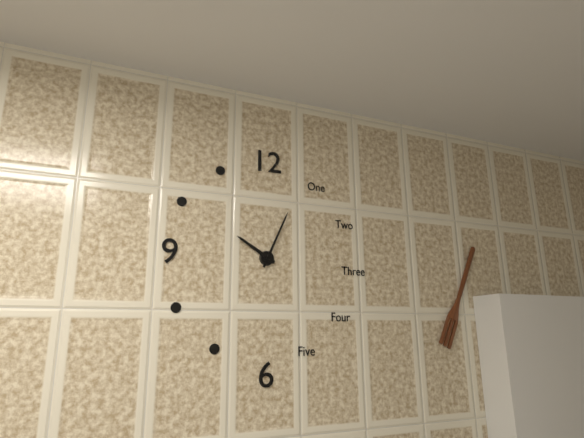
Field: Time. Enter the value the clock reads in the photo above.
10:04
